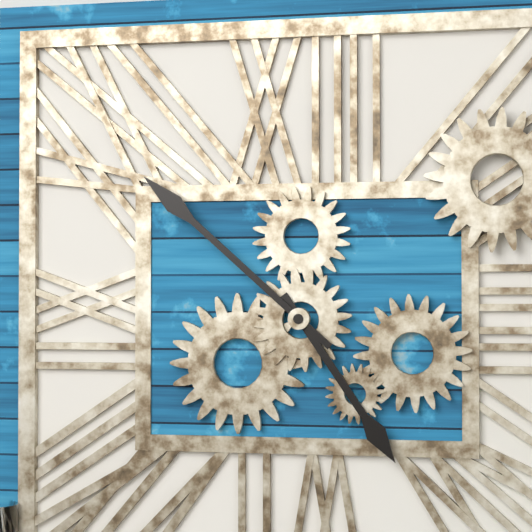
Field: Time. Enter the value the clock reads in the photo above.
4:52
